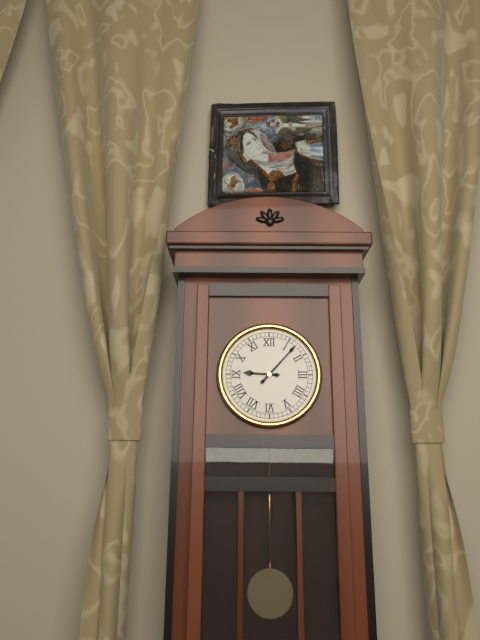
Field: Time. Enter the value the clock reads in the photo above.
9:07
